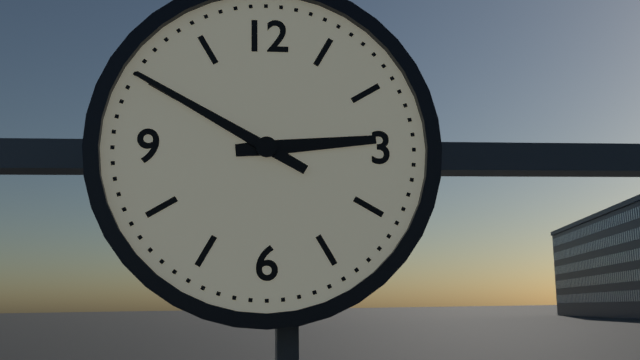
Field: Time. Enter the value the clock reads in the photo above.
2:50
